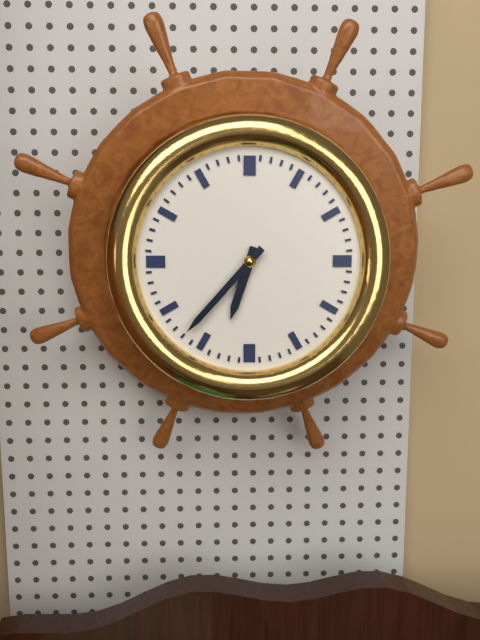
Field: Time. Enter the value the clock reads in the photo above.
6:37
